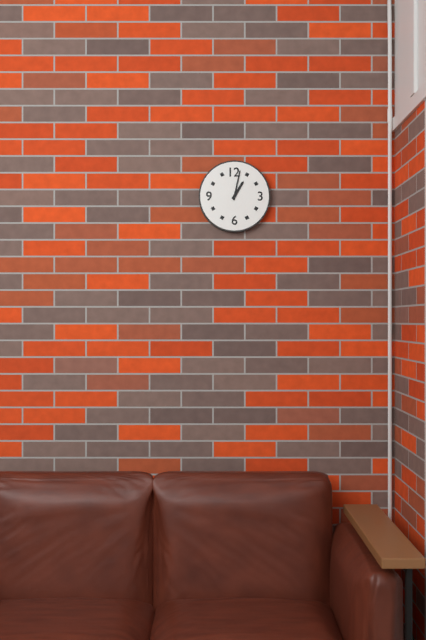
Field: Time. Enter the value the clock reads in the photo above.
1:02
